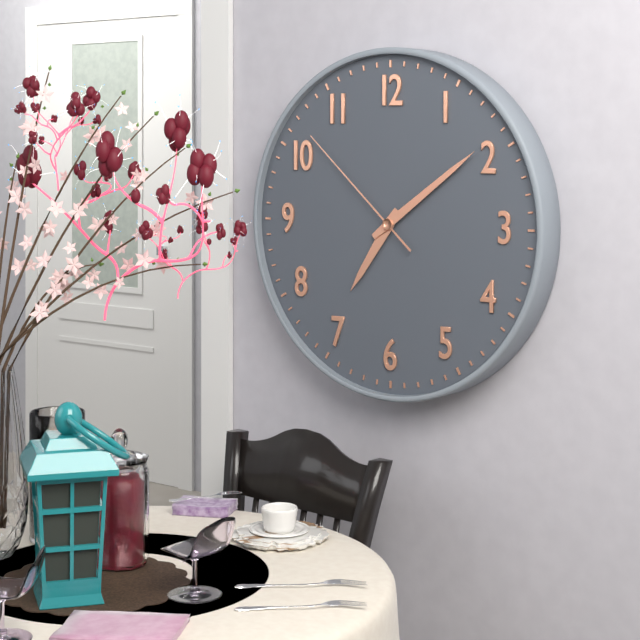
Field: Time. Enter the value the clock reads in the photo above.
7:09:52
